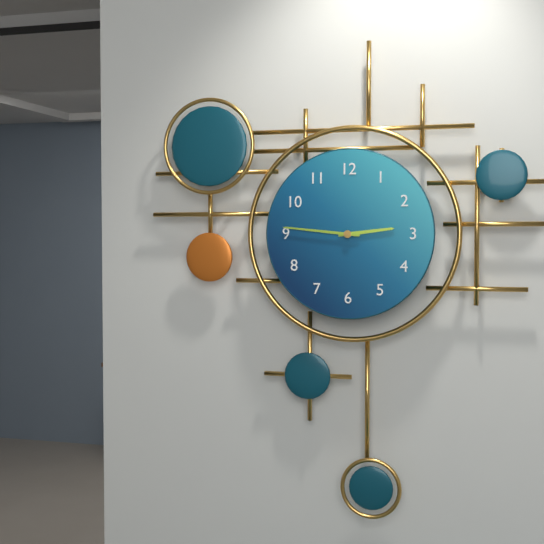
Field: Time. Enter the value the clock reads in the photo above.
2:46
